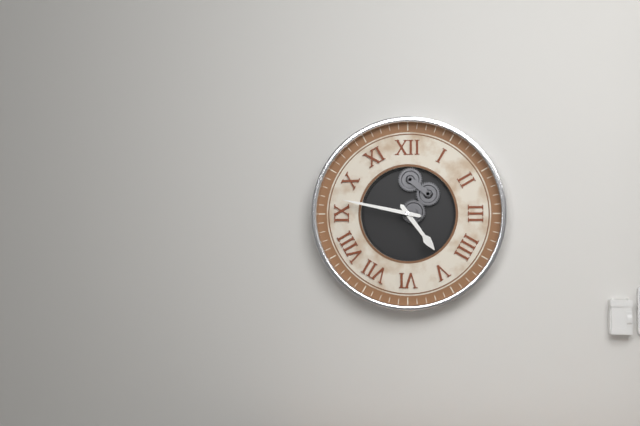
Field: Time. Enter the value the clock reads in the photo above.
4:47
